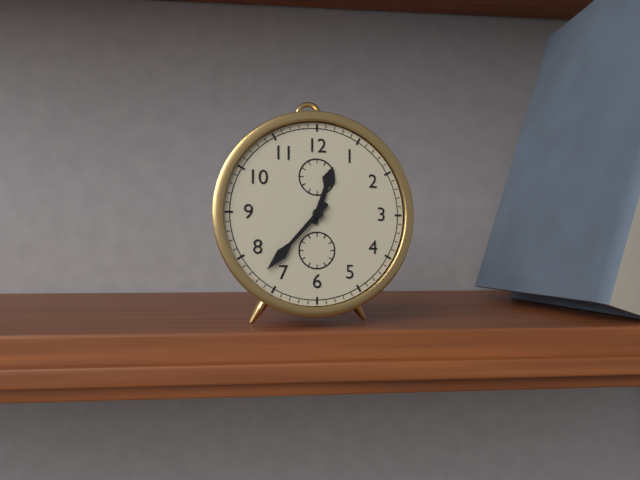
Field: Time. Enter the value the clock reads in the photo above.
12:37
